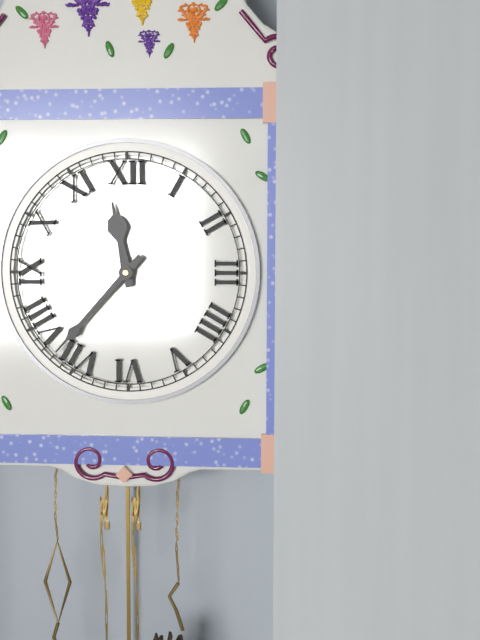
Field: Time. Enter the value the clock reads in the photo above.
11:37
